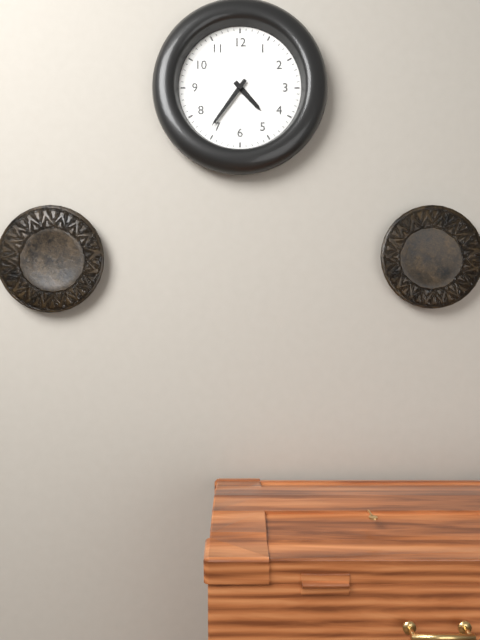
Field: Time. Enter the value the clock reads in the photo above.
4:36
